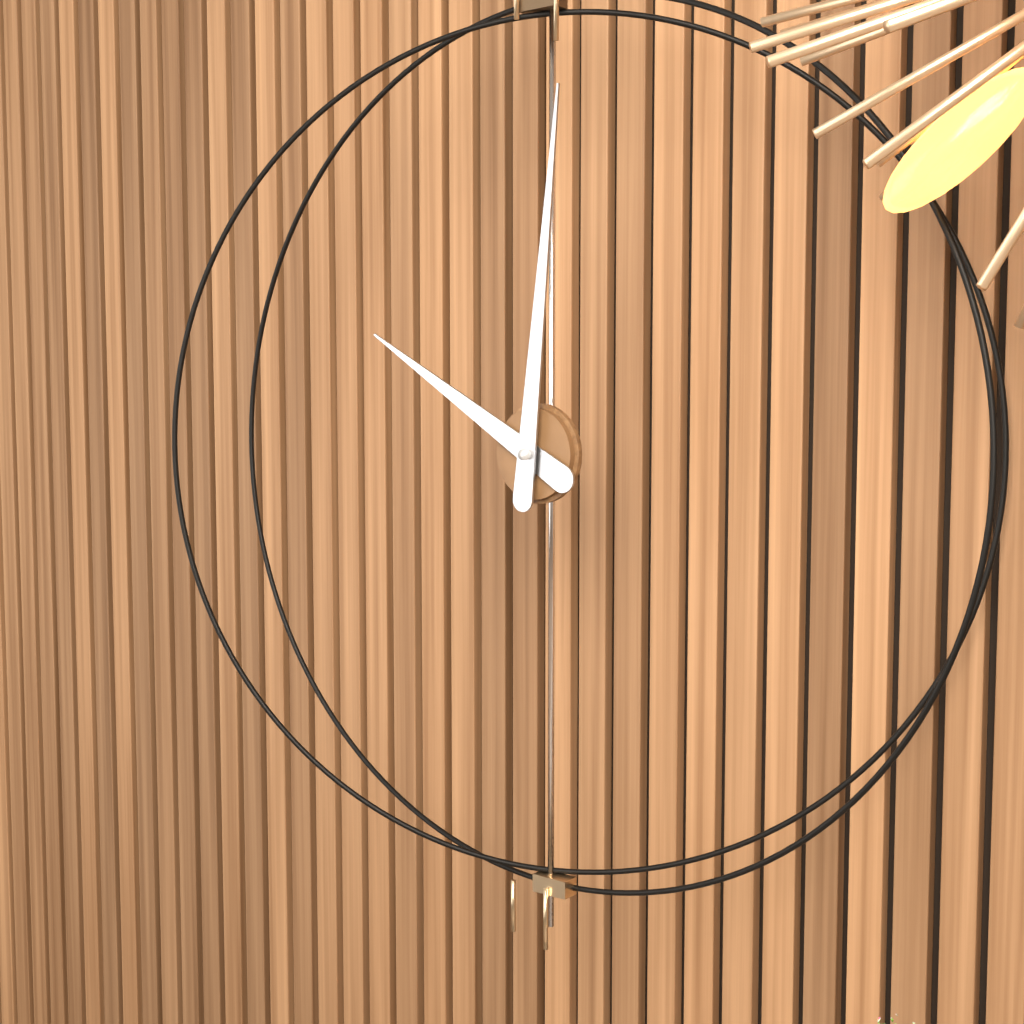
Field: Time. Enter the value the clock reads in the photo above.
10:01
